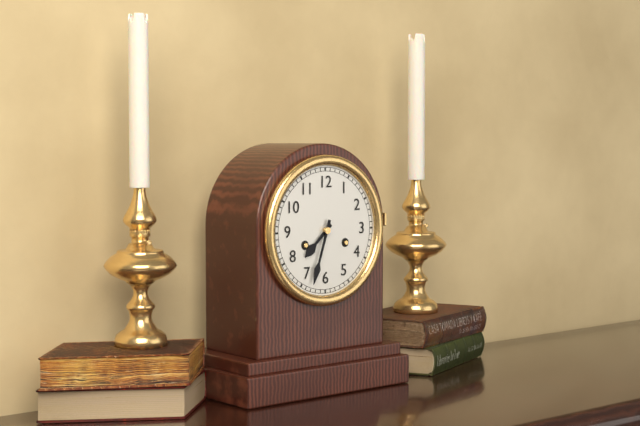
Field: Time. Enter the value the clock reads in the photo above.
7:33
